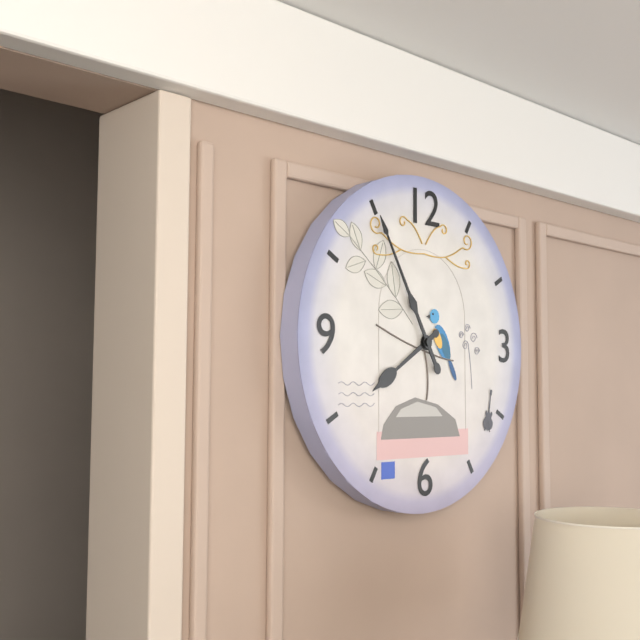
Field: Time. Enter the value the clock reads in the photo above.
7:55
